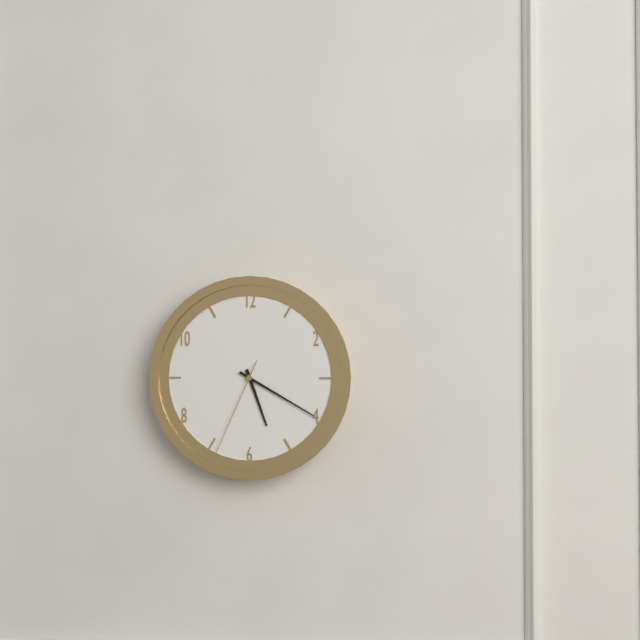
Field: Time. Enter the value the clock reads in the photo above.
5:20:34
